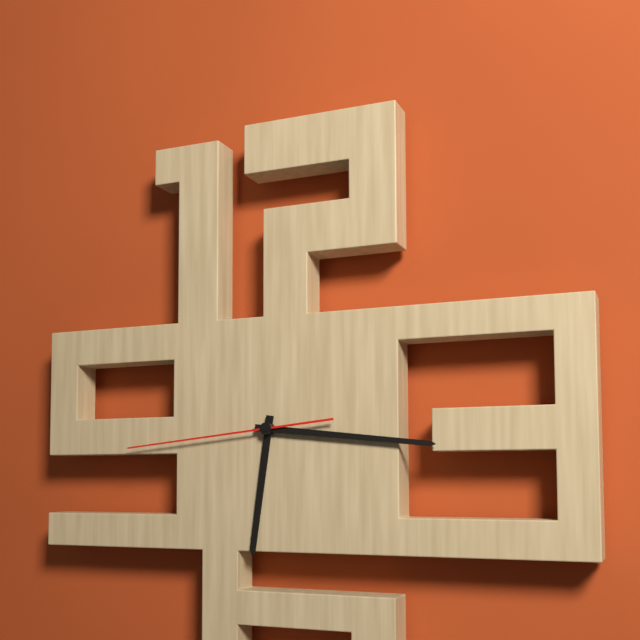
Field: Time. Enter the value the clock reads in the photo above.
6:16:44
